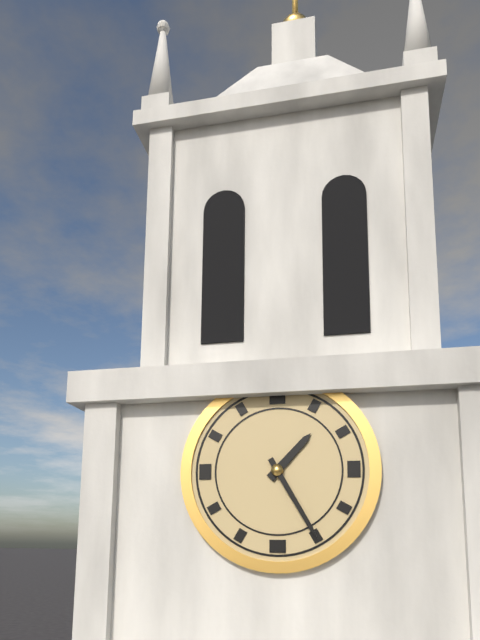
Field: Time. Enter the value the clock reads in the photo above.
1:25
